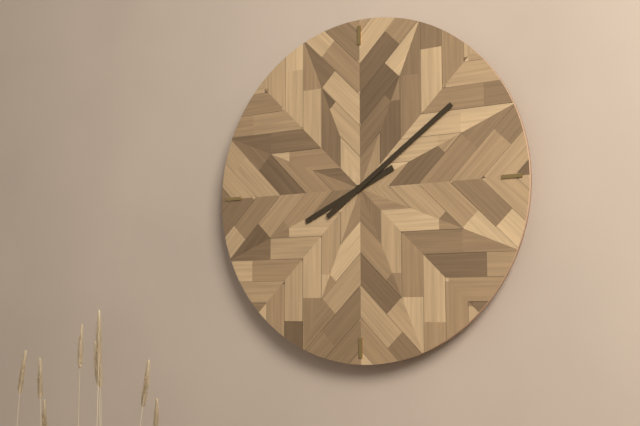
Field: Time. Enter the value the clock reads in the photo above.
8:09
